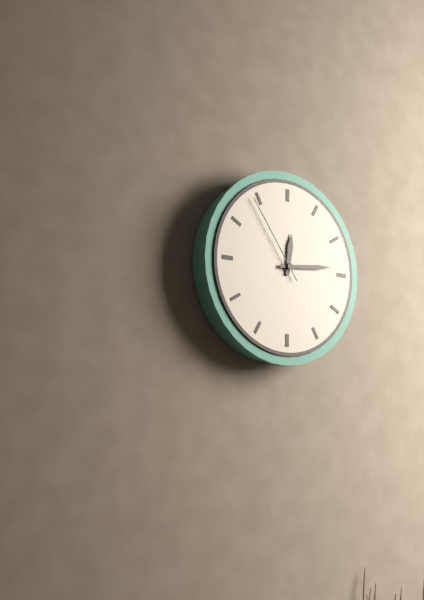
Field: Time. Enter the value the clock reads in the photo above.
12:14:54
